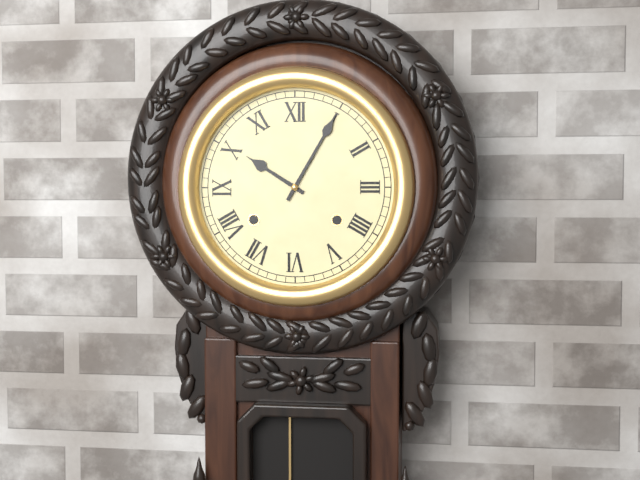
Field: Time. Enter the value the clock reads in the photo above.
10:05
